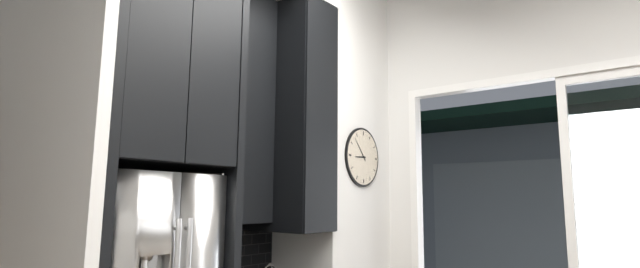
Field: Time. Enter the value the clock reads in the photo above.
8:53
